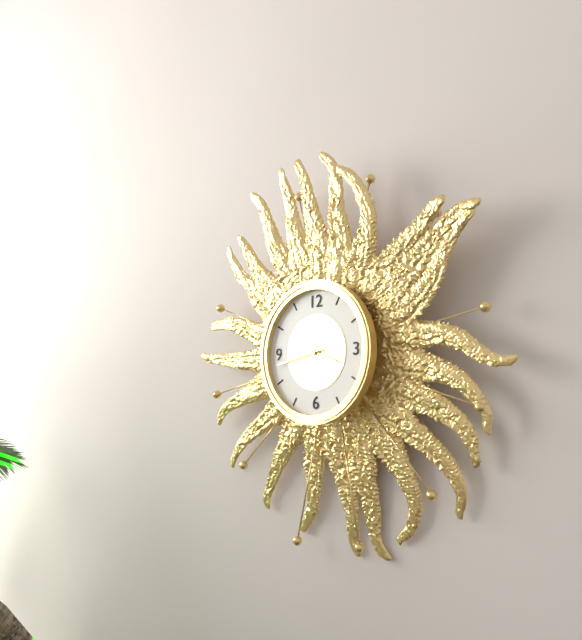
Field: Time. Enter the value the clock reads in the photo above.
3:43
